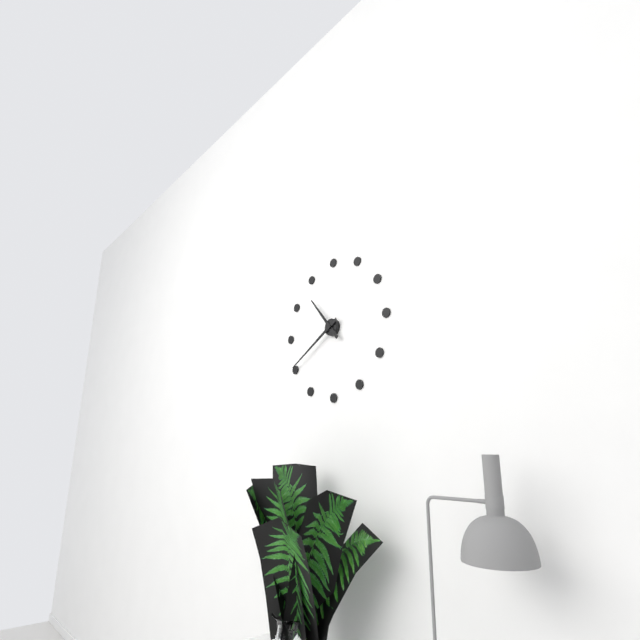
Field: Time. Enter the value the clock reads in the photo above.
10:40
